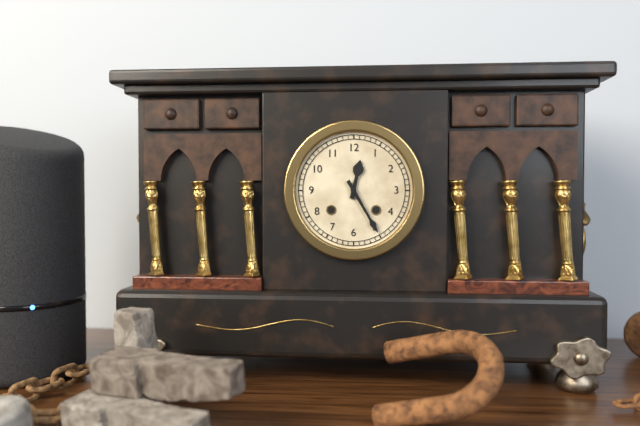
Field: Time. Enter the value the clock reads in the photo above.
12:25
